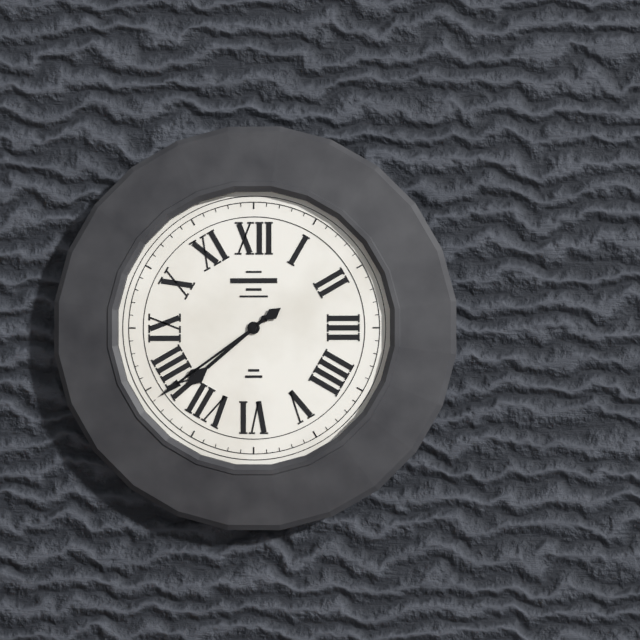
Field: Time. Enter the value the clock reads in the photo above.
7:39
